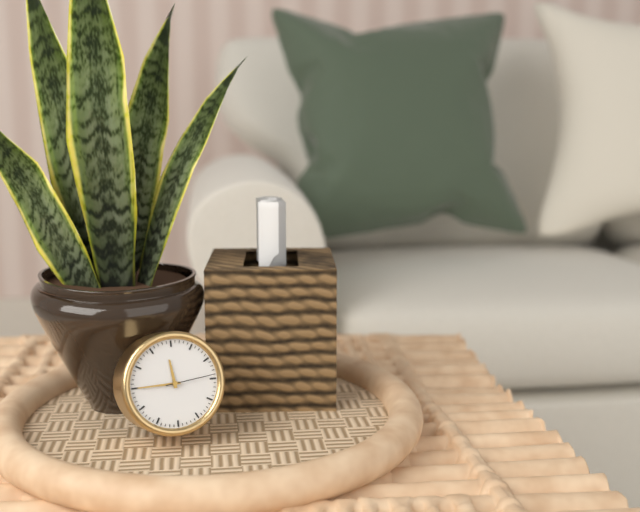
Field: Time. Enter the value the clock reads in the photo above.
11:45
